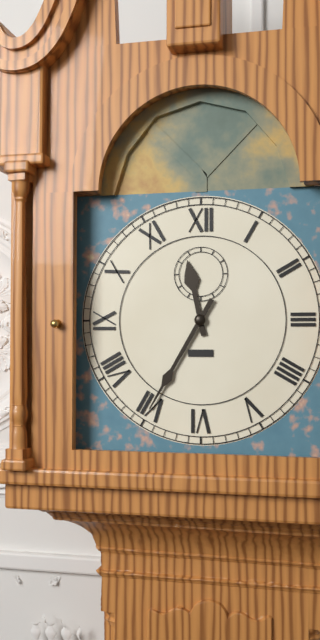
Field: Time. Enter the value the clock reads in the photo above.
11:35
